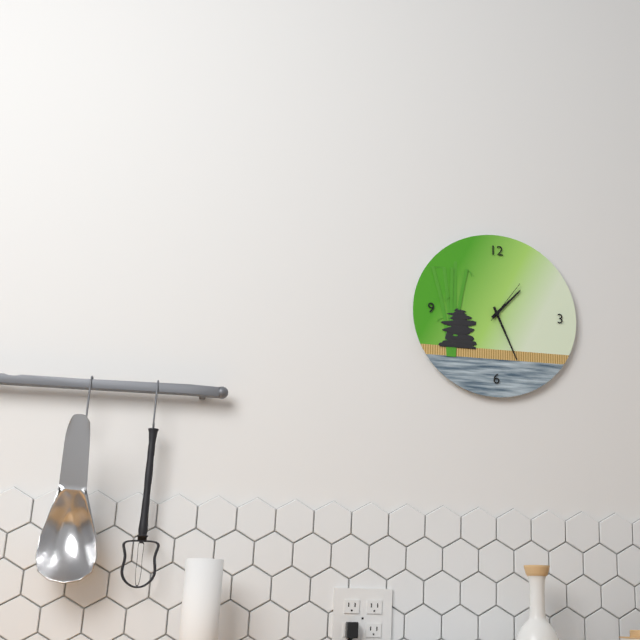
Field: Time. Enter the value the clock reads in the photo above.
1:26
